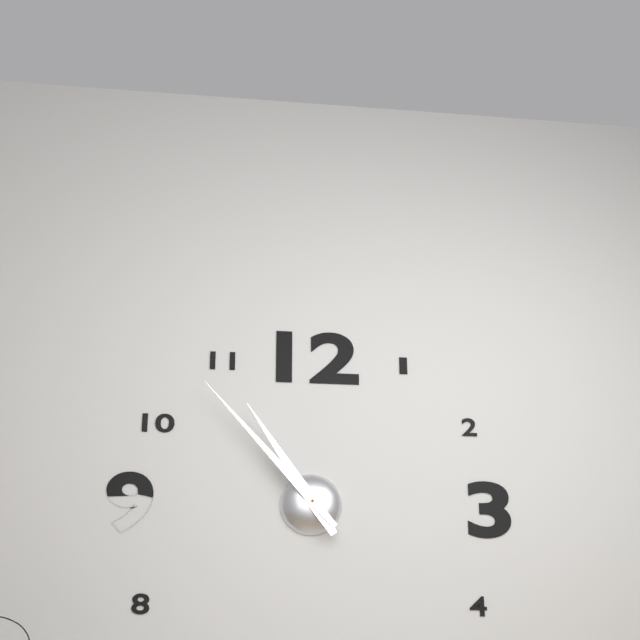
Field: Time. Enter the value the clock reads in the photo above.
10:53
